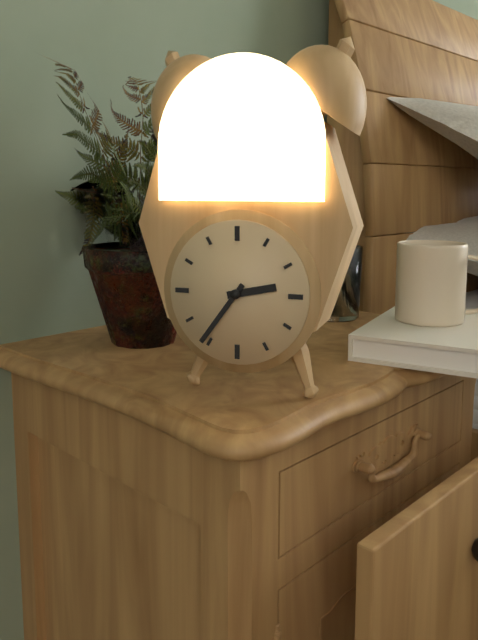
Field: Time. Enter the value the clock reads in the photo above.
2:36
